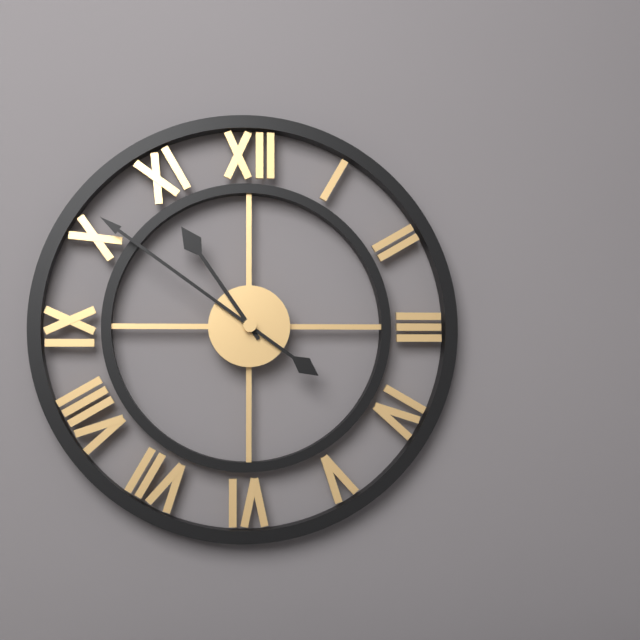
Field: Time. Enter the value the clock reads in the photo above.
10:51
